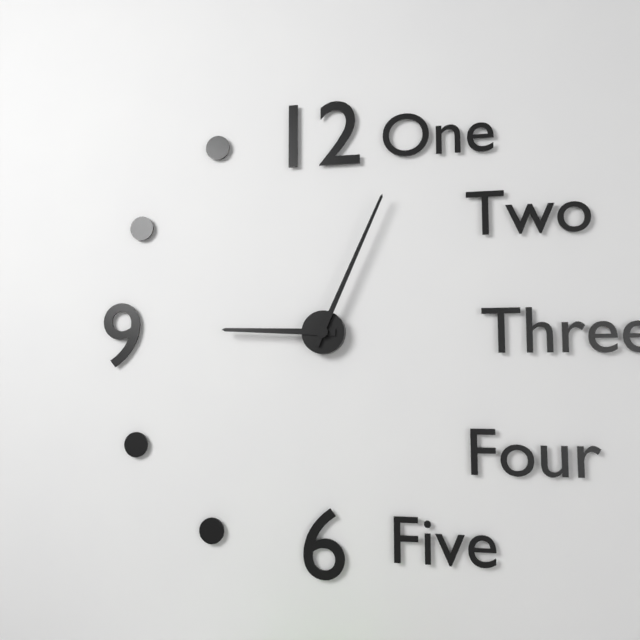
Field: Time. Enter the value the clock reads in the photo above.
9:04
